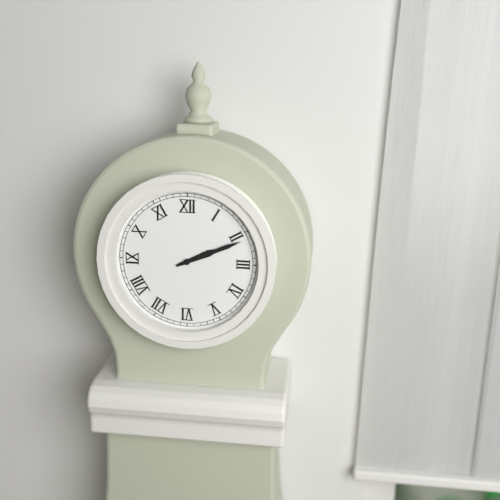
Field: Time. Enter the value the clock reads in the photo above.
2:11
